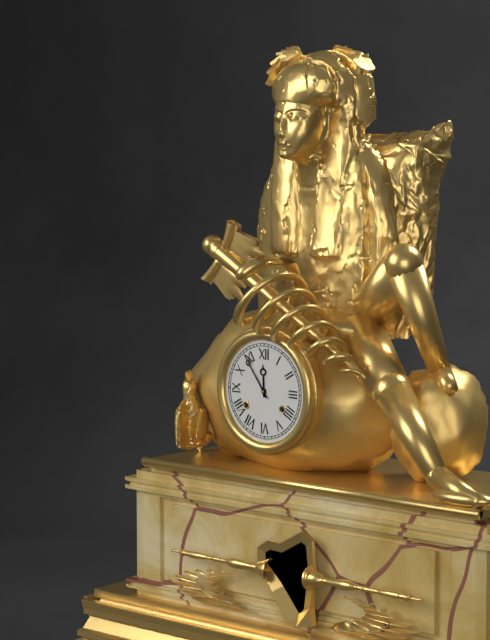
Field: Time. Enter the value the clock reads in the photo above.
11:54
